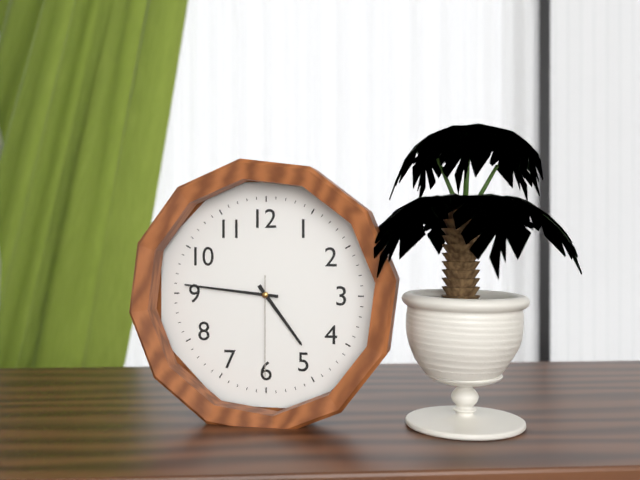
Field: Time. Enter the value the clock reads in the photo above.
4:46:30
